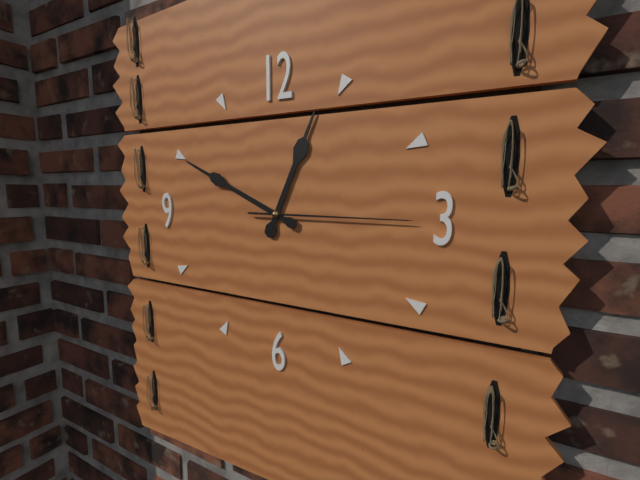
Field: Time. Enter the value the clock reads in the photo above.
12:49:15
